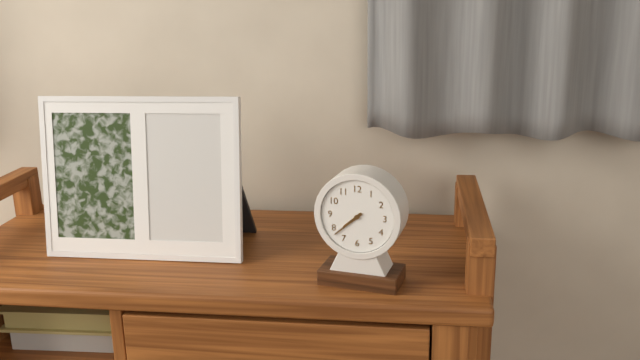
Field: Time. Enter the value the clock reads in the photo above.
7:38
